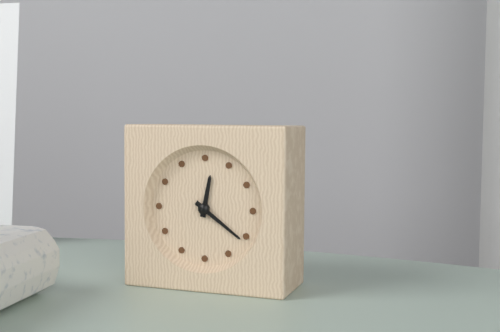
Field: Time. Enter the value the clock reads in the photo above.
12:21
